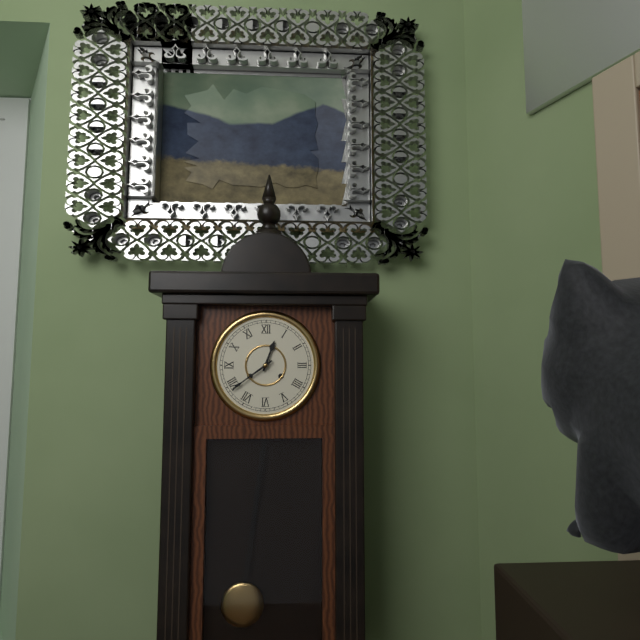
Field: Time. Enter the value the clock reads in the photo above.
12:39
